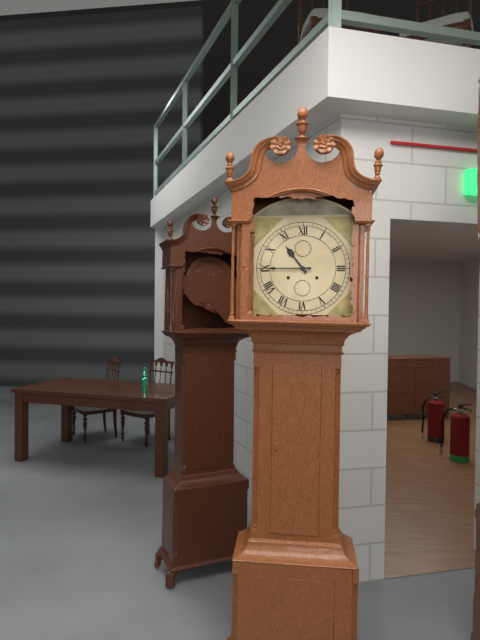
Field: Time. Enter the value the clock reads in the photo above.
10:45
